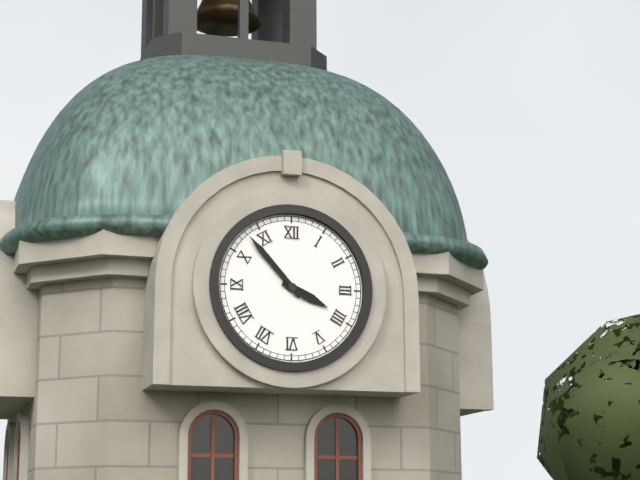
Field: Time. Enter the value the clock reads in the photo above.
3:53
